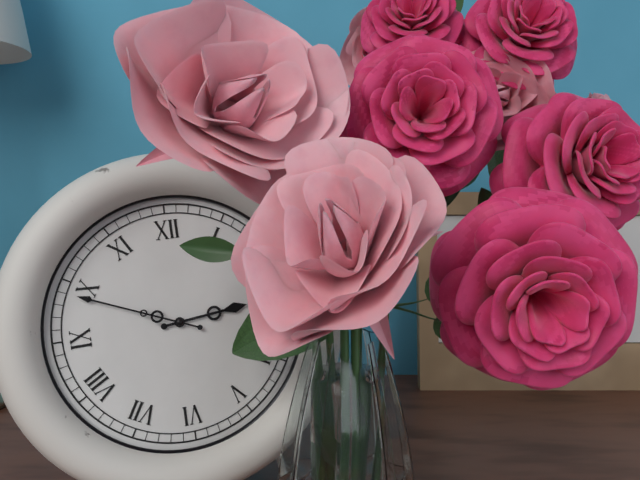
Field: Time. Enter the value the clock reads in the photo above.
2:49
